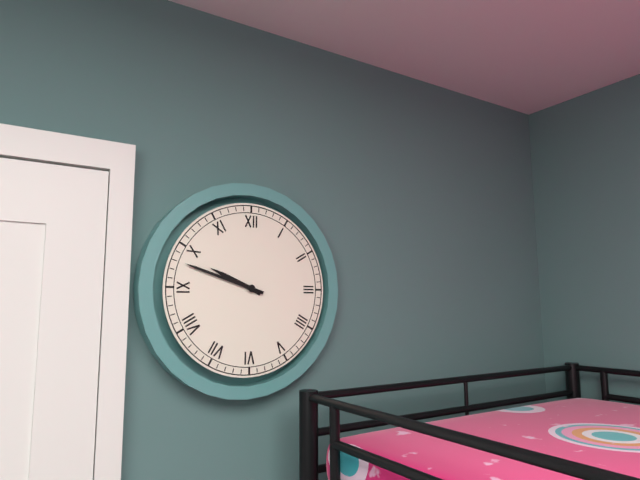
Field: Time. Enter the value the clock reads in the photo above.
9:48
